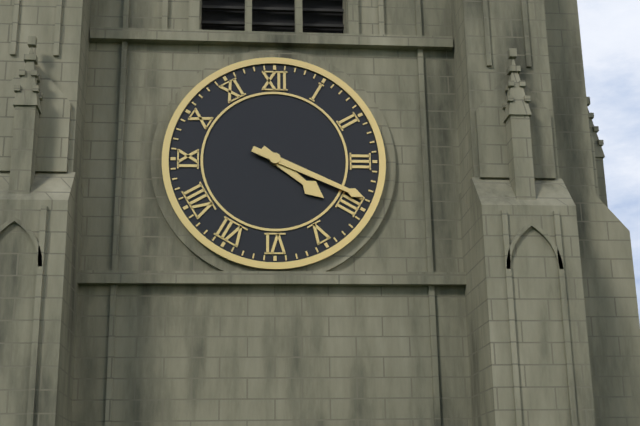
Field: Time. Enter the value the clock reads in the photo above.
4:19
